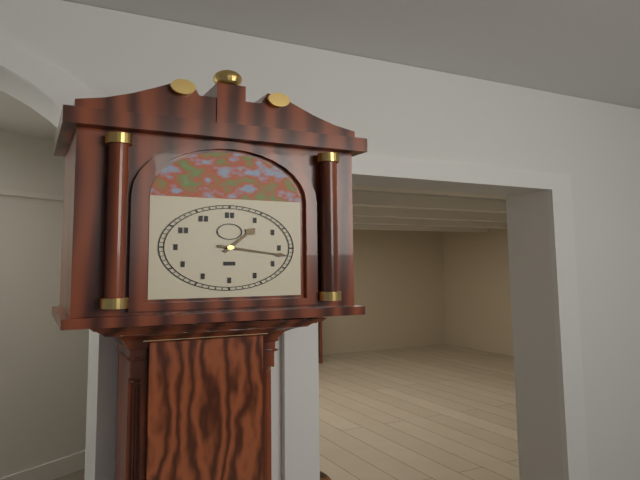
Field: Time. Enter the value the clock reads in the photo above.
1:17
